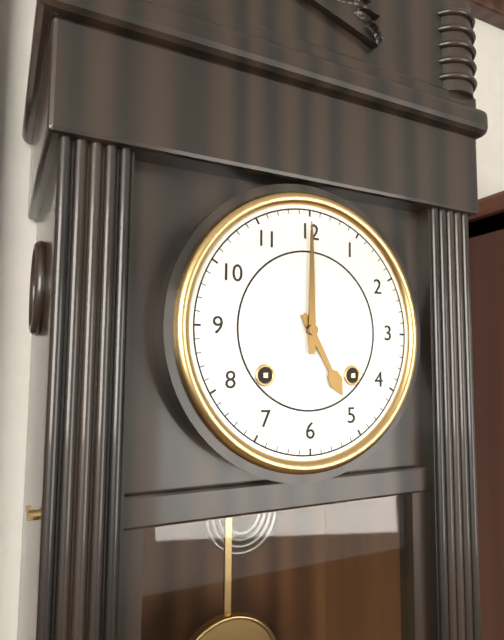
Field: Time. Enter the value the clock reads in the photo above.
5:00
